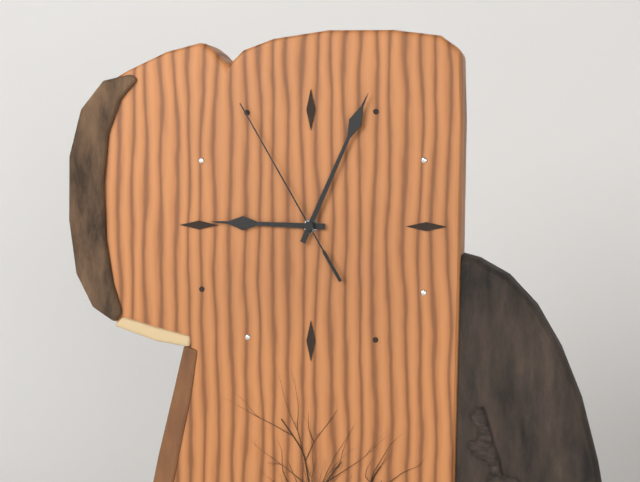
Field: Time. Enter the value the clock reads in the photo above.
9:04:55
